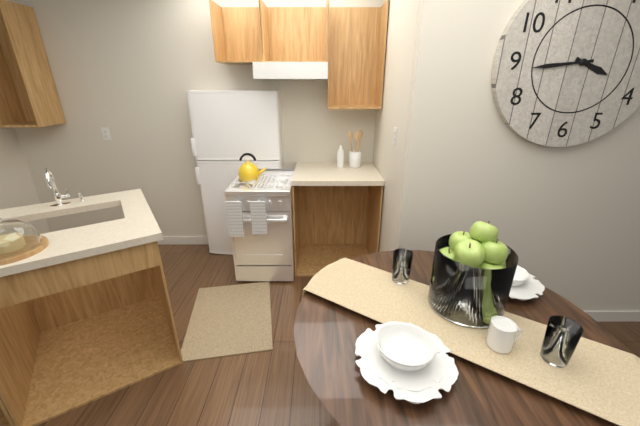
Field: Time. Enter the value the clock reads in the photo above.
3:44
